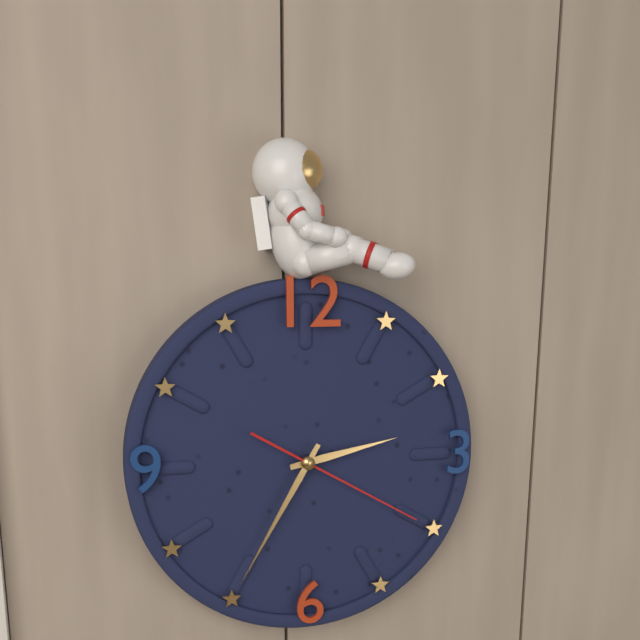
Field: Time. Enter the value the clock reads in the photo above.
2:35:20
